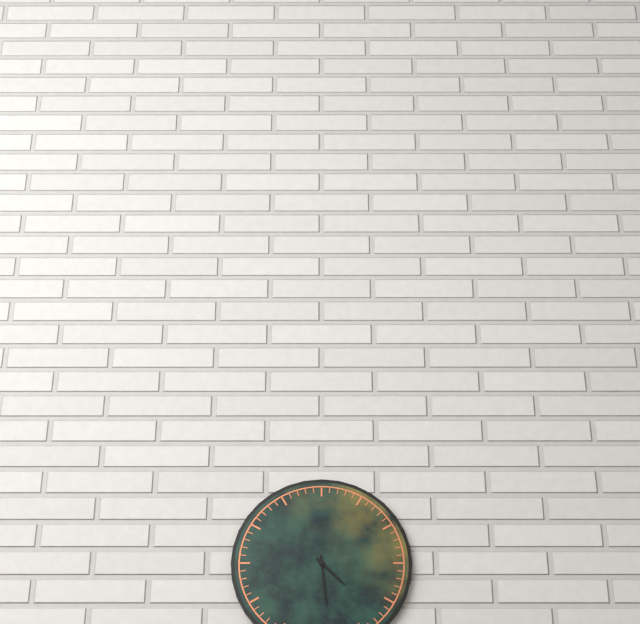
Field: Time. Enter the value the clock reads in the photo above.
4:29
